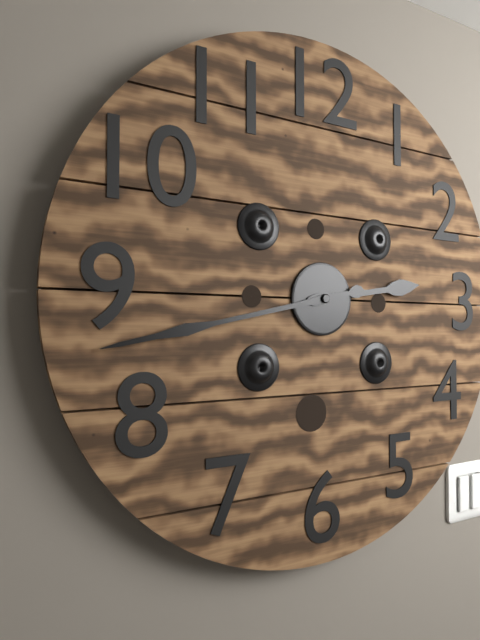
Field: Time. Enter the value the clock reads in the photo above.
2:43
